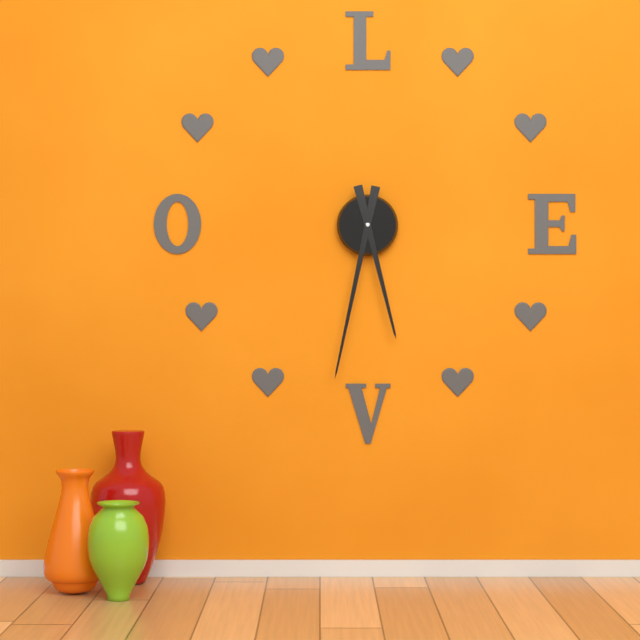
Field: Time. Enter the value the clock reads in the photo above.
5:32
